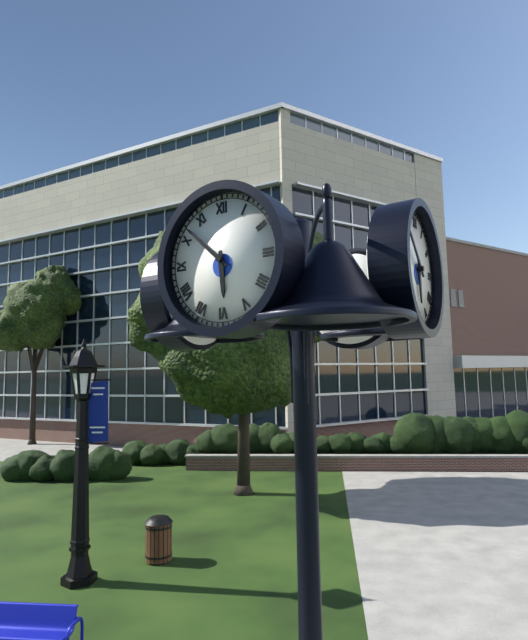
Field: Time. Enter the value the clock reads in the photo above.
5:52
